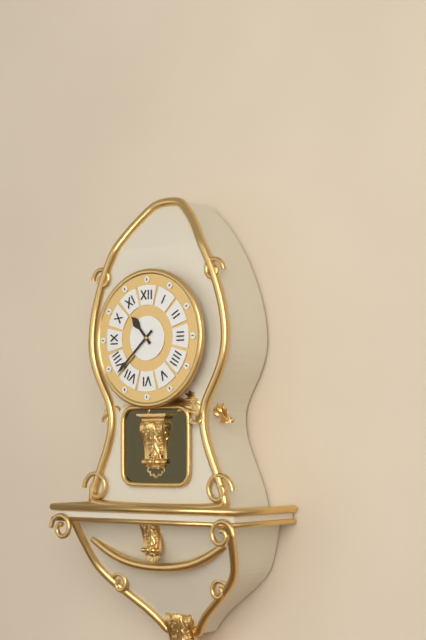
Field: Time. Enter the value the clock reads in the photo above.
10:38
